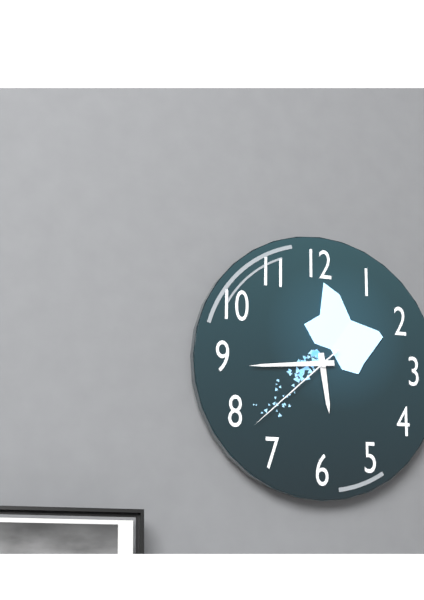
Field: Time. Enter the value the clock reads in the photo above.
5:44:38
